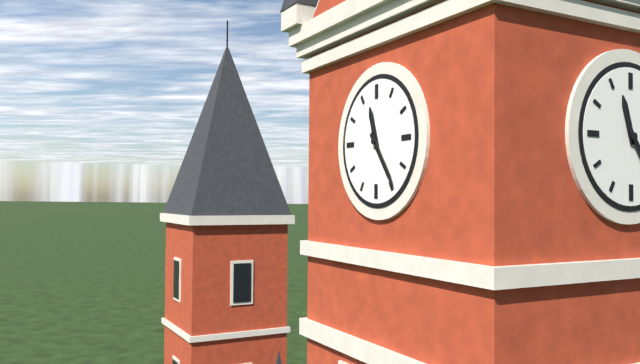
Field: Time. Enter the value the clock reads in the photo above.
11:24
